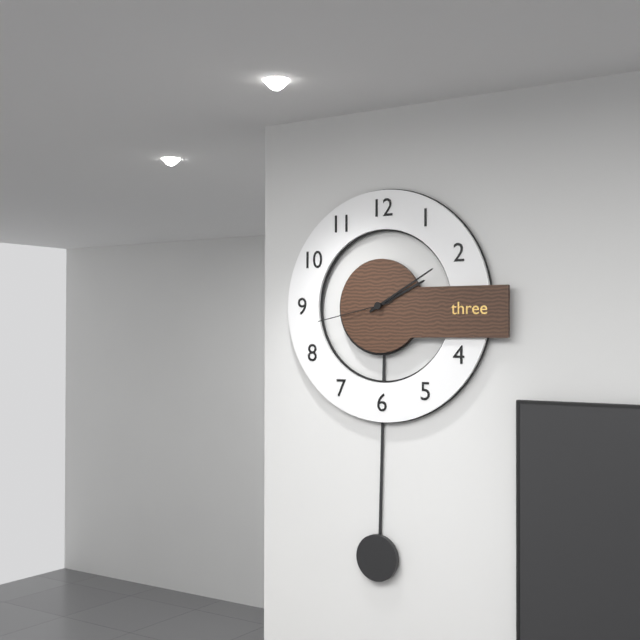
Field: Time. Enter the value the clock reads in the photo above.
2:10:43
